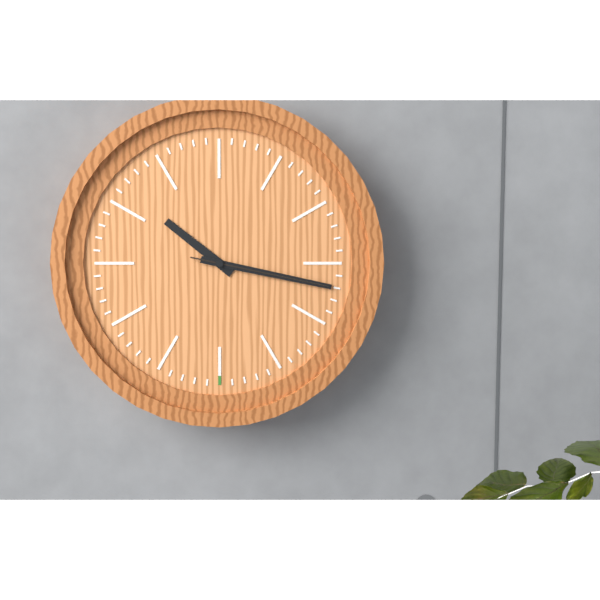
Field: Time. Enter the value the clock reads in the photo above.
10:17:17
